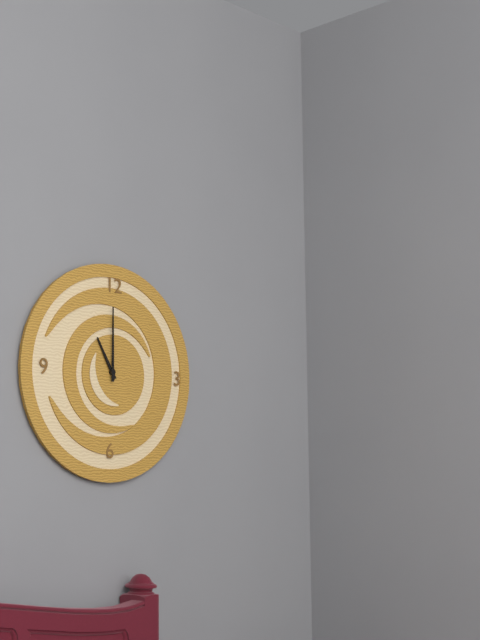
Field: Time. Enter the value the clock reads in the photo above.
11:00
